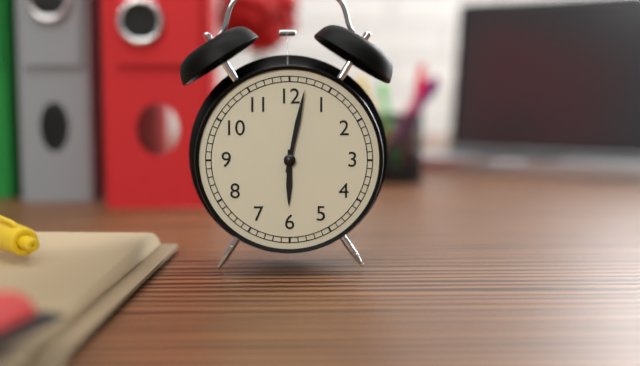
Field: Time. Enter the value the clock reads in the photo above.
6:02
